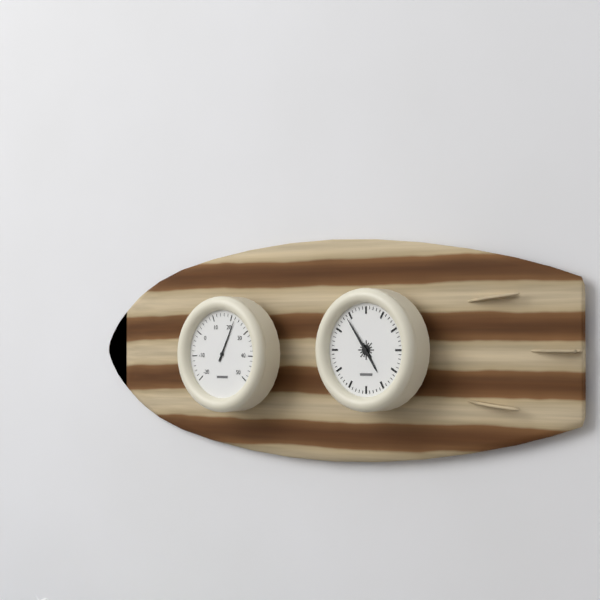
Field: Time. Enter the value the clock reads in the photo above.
4:54
